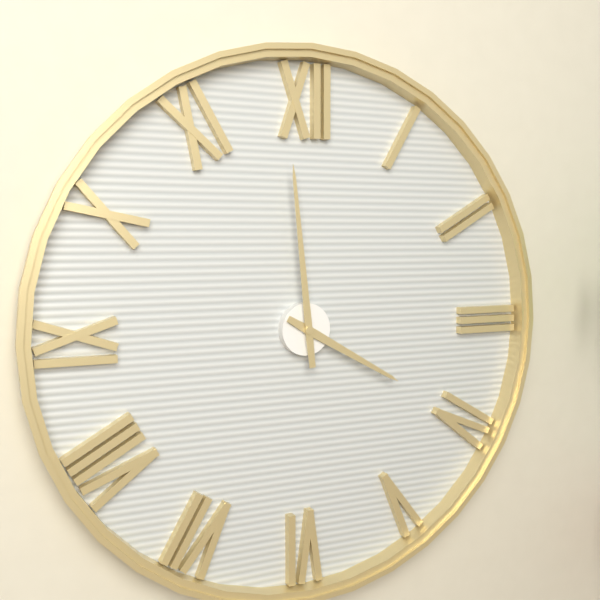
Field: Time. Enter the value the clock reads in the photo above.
3:59
